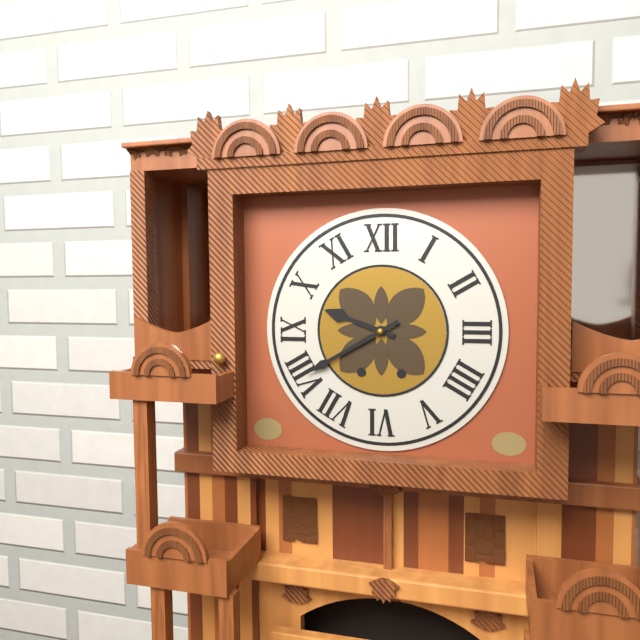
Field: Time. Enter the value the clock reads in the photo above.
9:40
